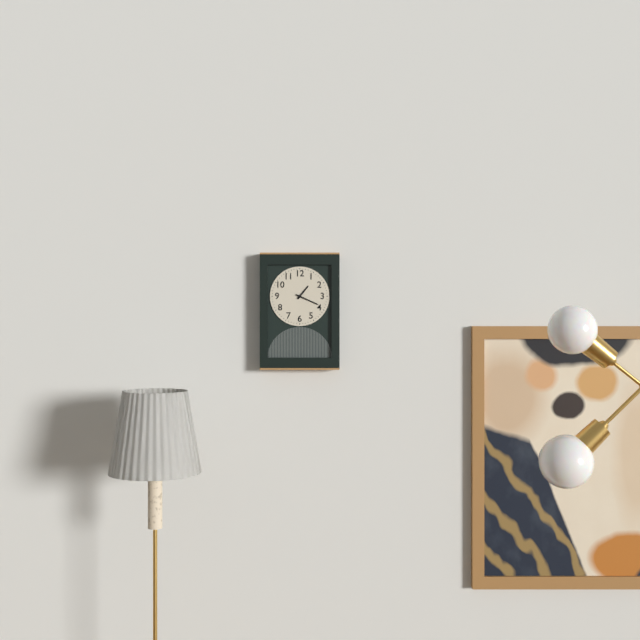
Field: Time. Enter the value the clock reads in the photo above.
1:19
